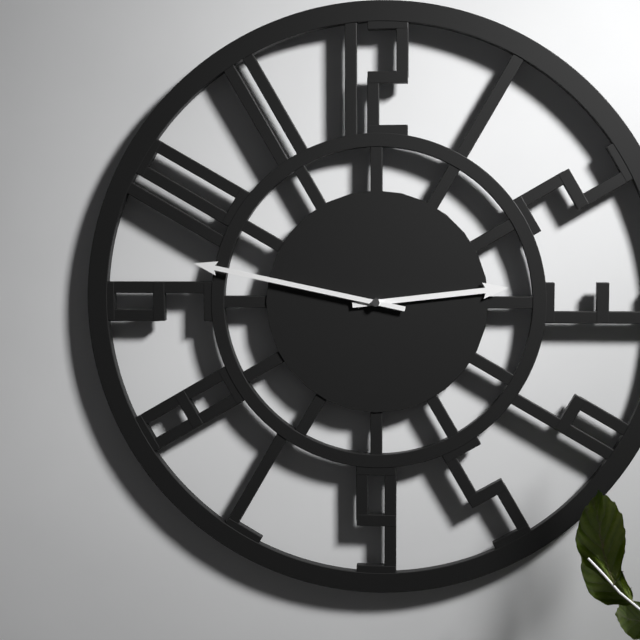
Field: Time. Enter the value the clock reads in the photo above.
2:47
